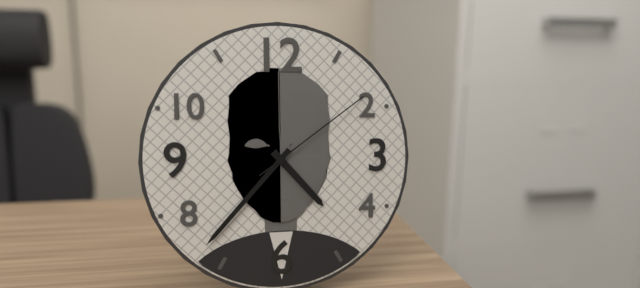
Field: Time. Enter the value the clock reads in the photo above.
4:37:09
